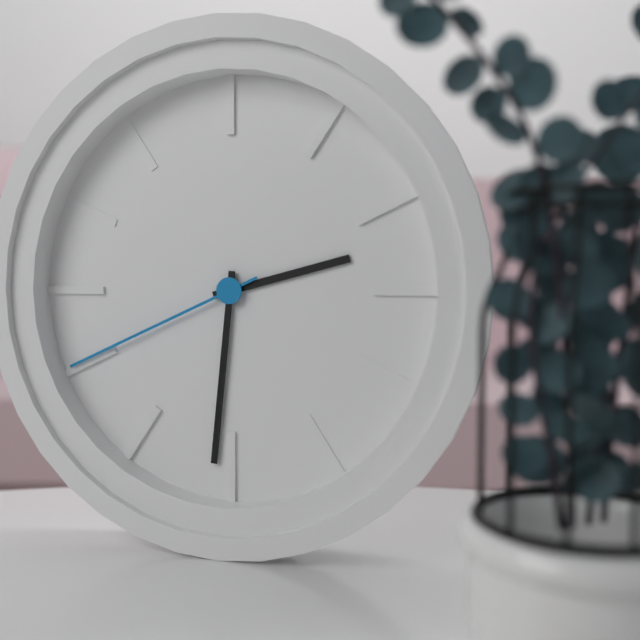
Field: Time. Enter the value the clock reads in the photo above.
2:31:41
